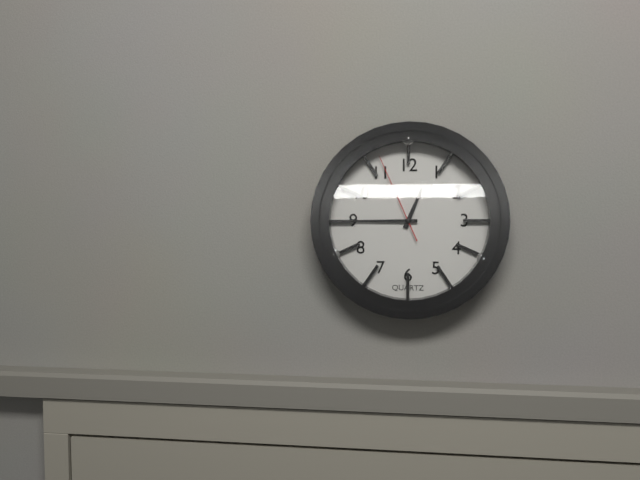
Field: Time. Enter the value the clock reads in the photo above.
12:45:56
